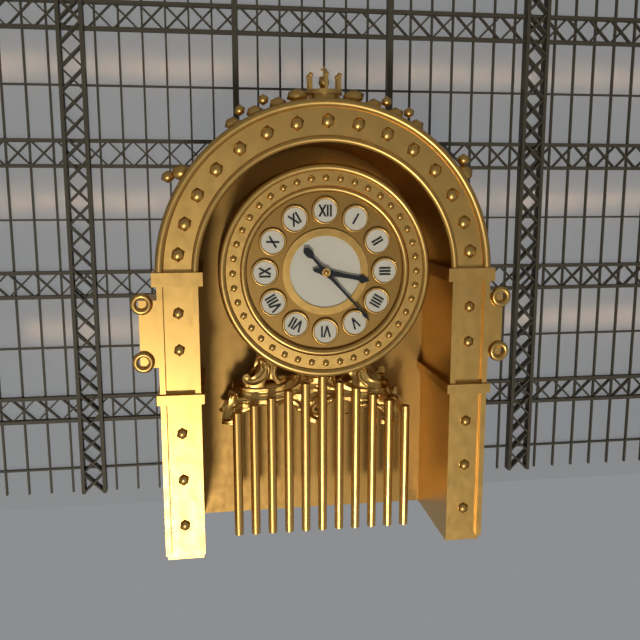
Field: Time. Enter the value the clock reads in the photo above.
3:23
